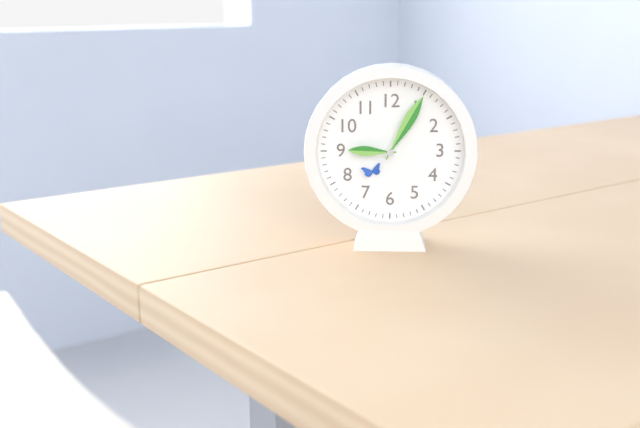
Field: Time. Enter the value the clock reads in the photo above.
9:05
